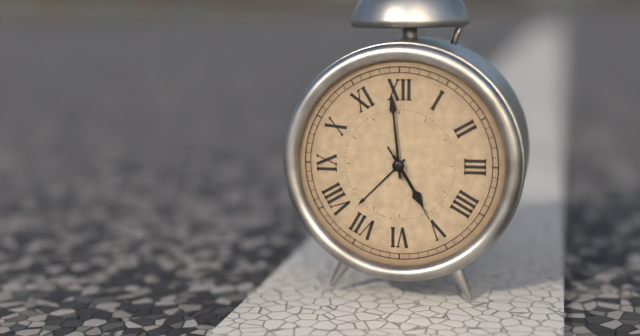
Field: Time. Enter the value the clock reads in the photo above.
4:59:25
